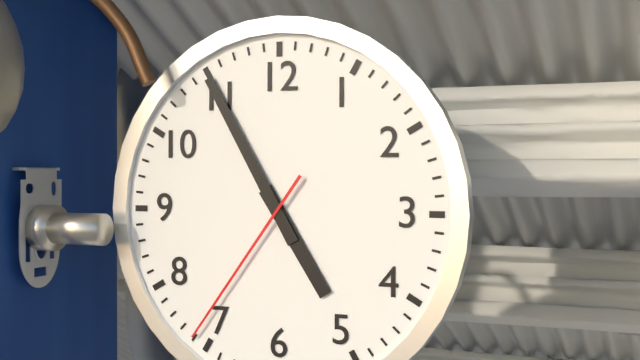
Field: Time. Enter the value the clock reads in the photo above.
4:55:36
